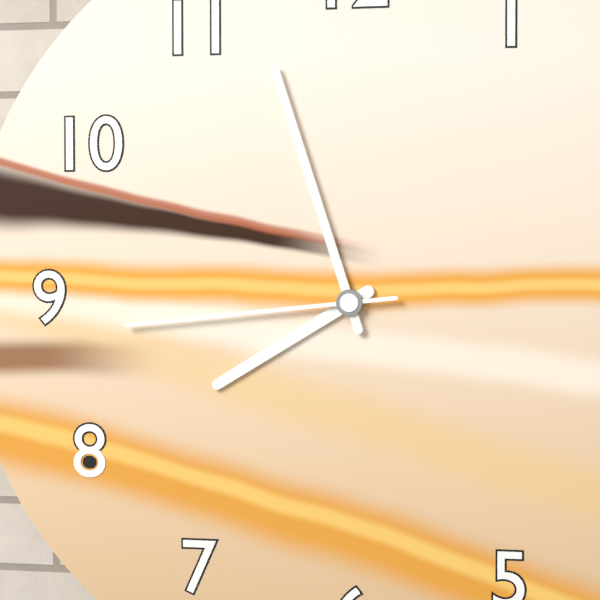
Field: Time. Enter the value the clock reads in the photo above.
7:57:44
